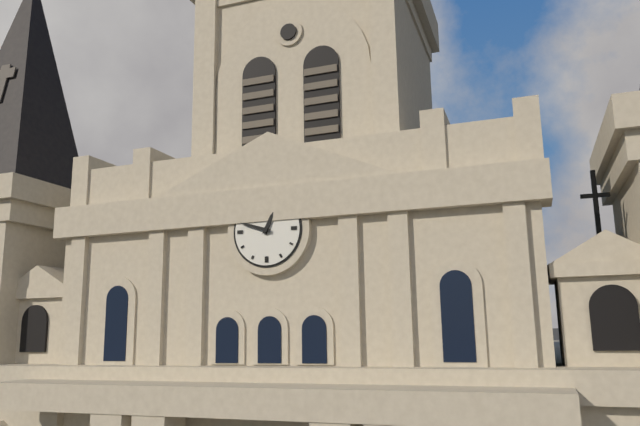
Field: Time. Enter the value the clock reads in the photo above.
12:48
